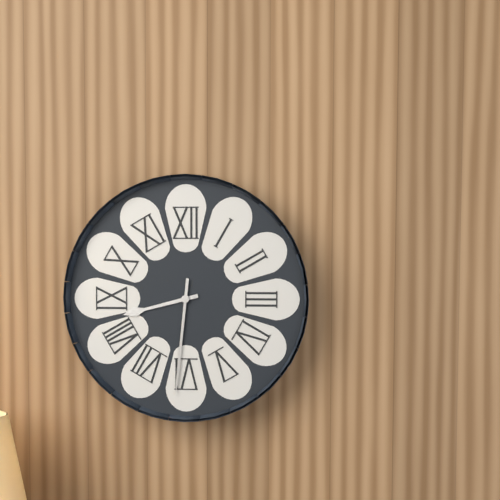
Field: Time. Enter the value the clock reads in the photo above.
8:31
